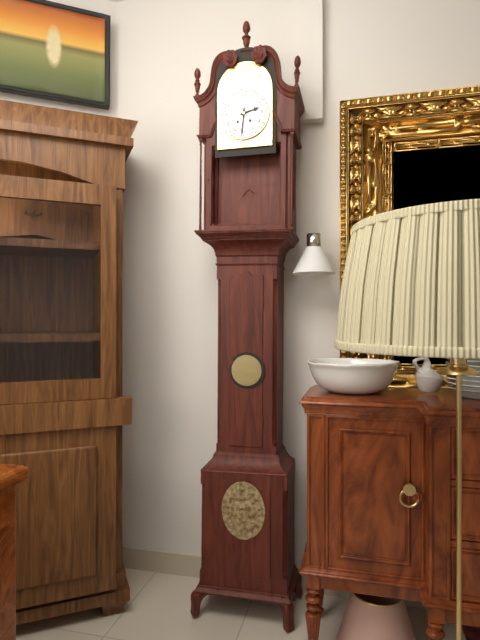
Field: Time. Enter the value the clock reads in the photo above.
2:31
